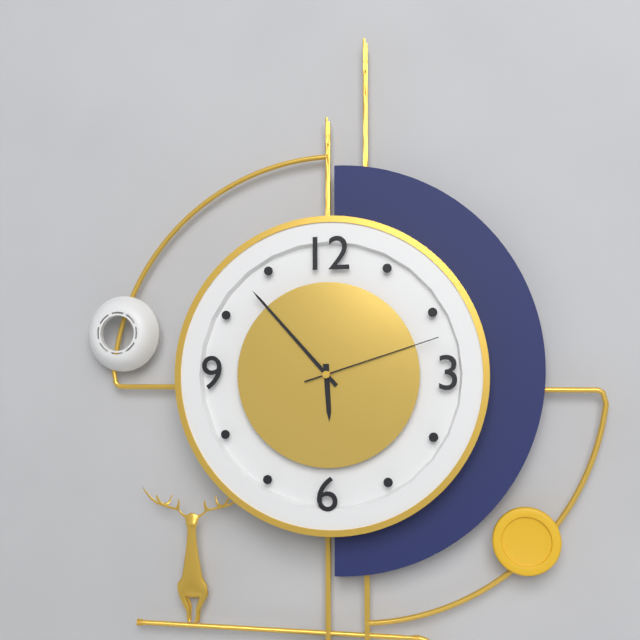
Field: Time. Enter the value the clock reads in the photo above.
5:53:12
